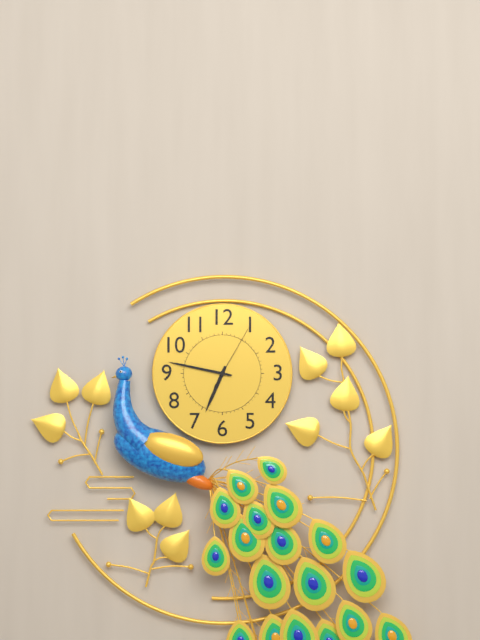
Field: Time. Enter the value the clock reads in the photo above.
6:47:05
